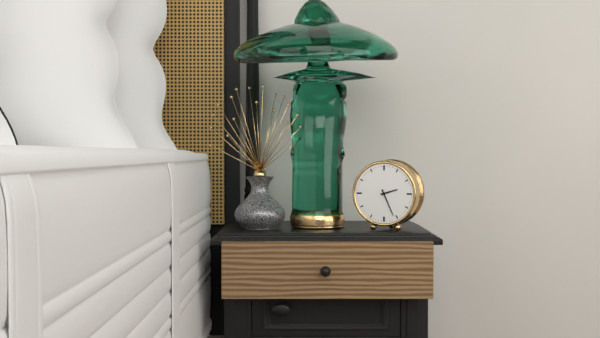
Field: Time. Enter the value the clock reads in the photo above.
2:26
